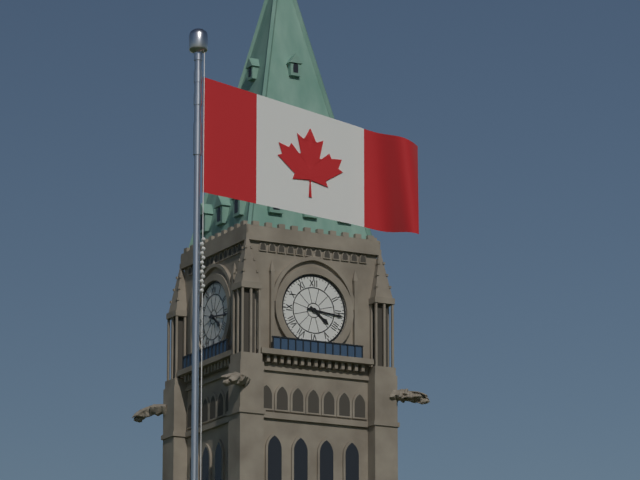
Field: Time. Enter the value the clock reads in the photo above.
4:16
